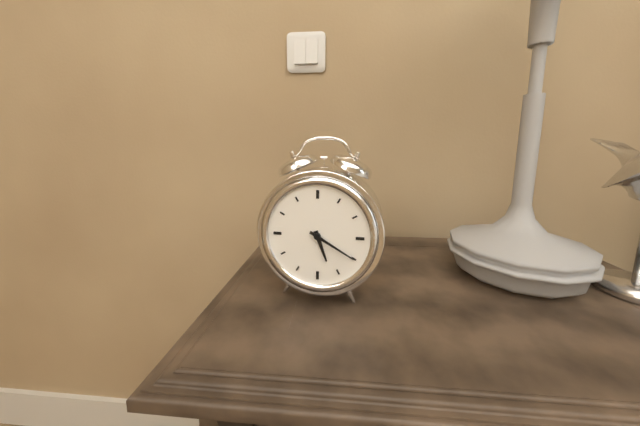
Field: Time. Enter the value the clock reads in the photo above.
5:20
